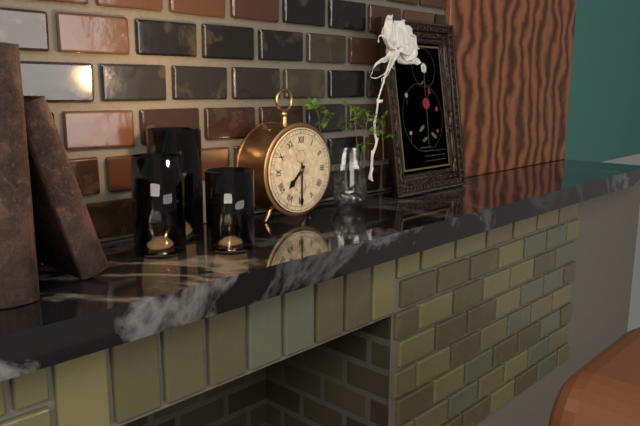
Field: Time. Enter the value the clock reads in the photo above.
7:30
